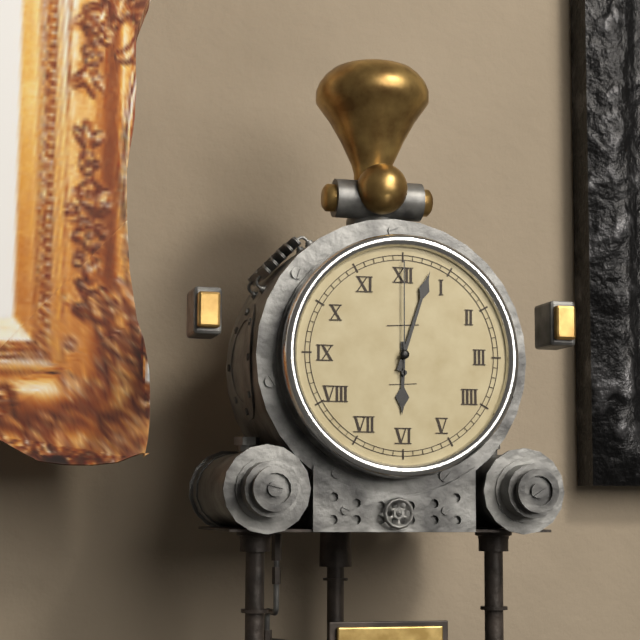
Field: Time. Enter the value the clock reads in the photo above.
6:03:00
